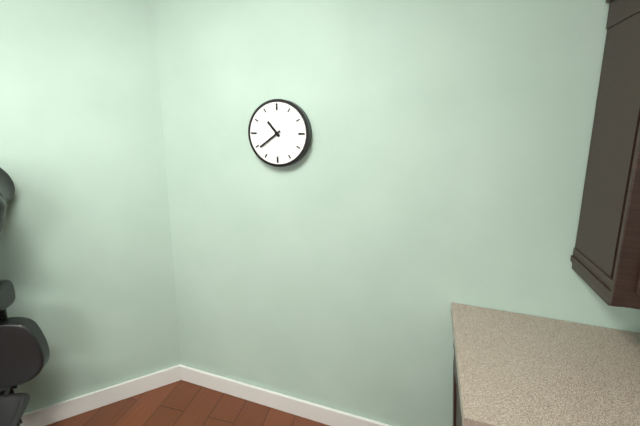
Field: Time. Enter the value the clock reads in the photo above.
10:39
